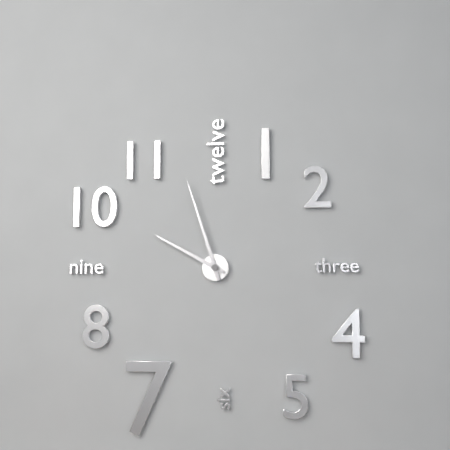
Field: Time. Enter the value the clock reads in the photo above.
9:57
